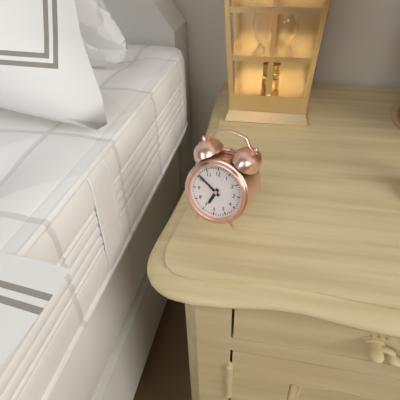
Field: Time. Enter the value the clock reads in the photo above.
6:51
